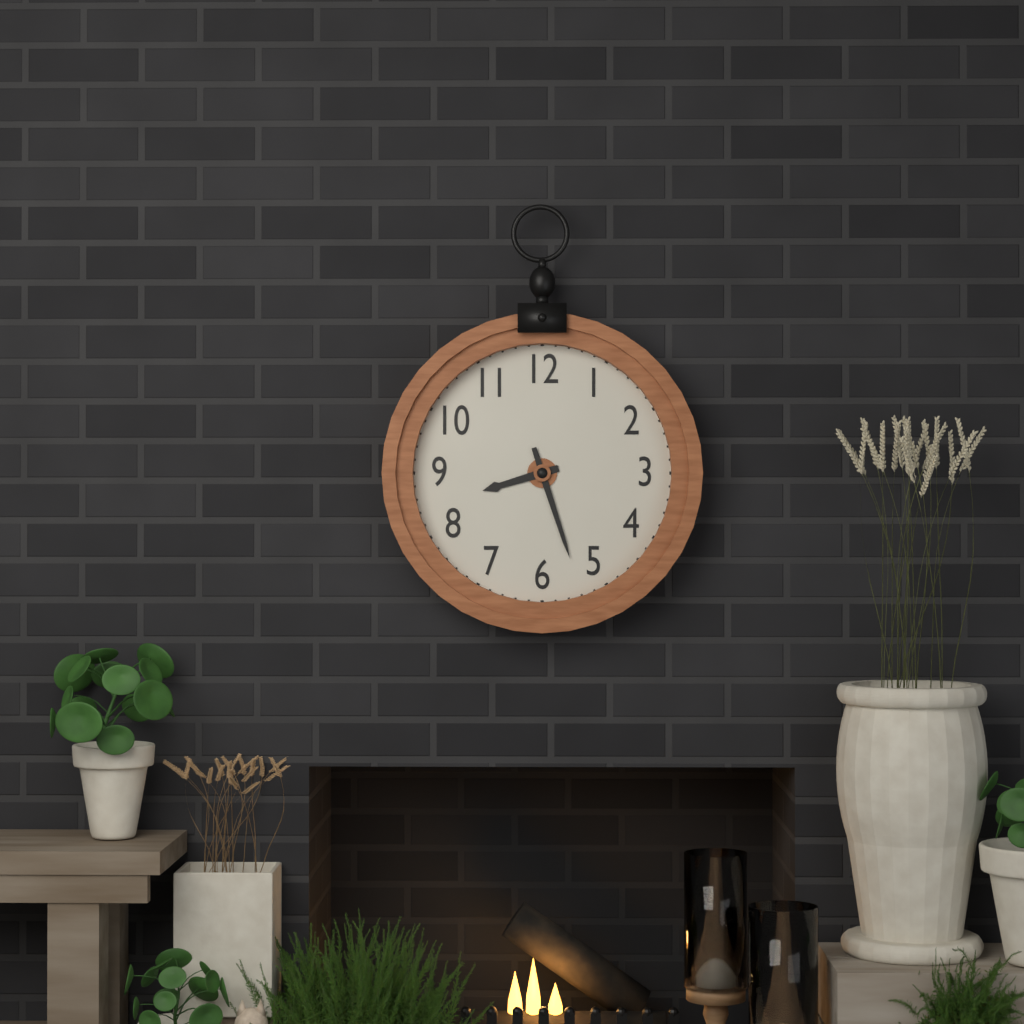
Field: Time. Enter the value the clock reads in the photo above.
8:27
